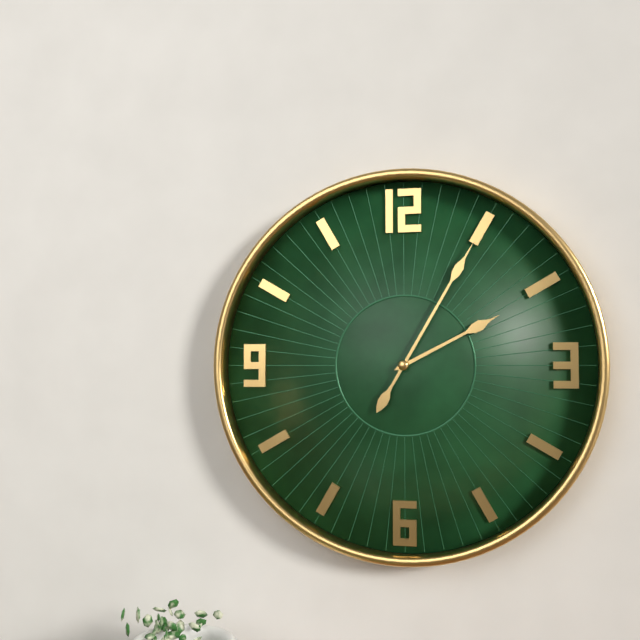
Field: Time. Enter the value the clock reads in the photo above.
2:05
